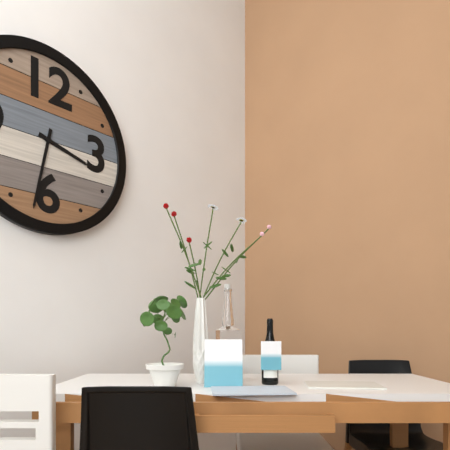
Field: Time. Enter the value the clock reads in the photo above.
3:32
